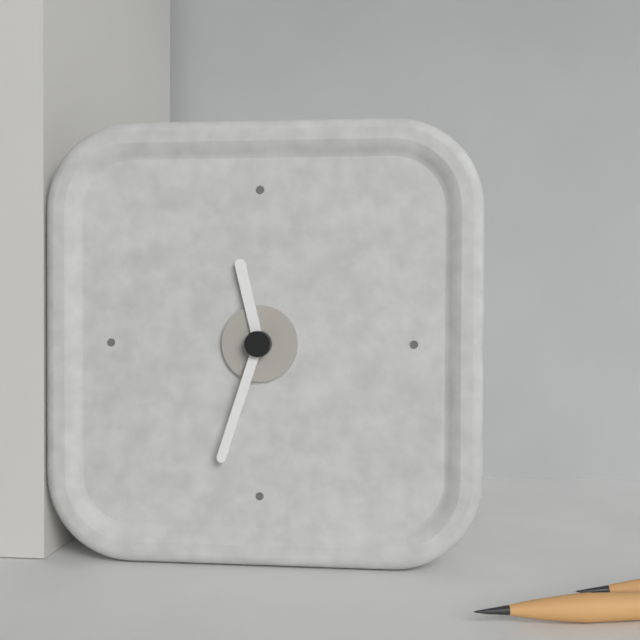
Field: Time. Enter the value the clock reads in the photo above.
11:33
